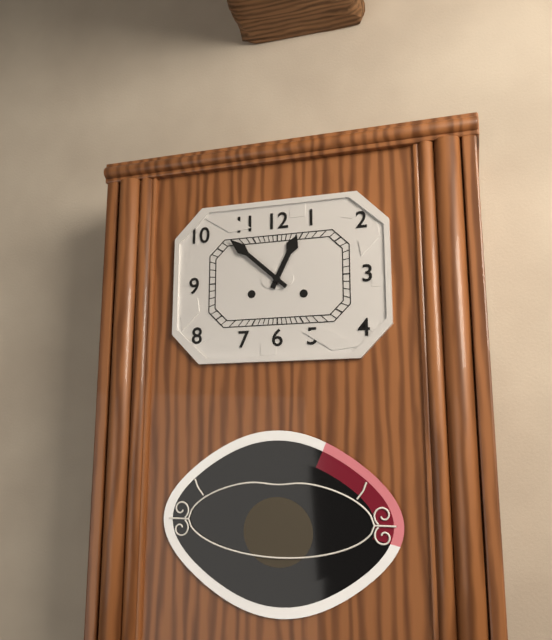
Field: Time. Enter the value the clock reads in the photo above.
12:52
